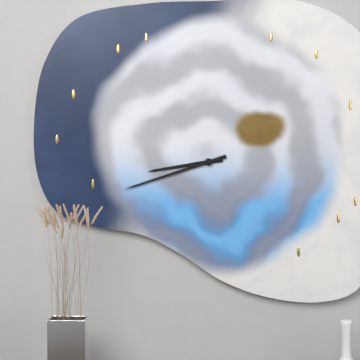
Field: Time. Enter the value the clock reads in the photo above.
8:42
